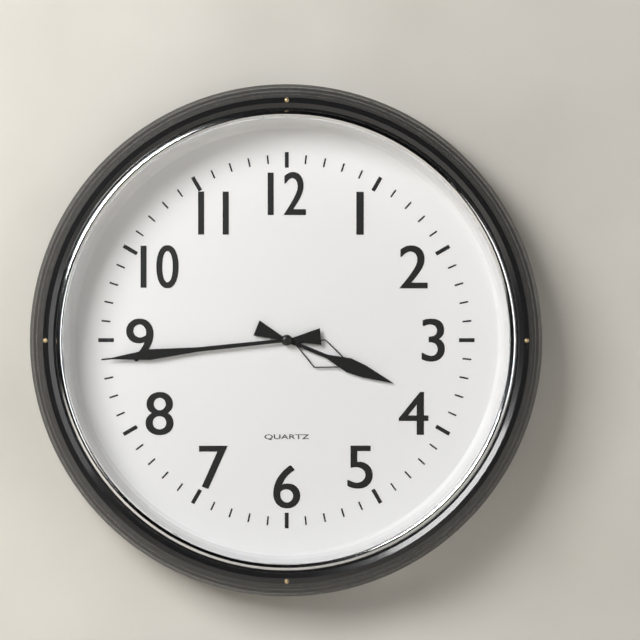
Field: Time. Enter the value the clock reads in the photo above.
3:44
